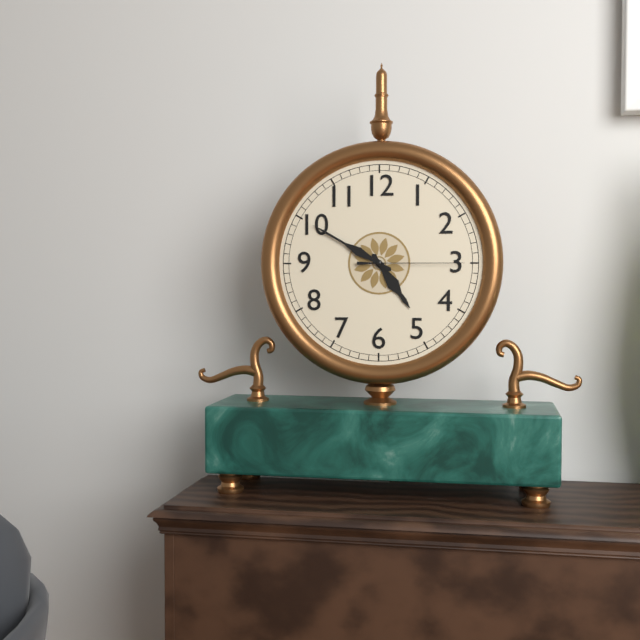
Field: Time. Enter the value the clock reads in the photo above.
4:50:15
